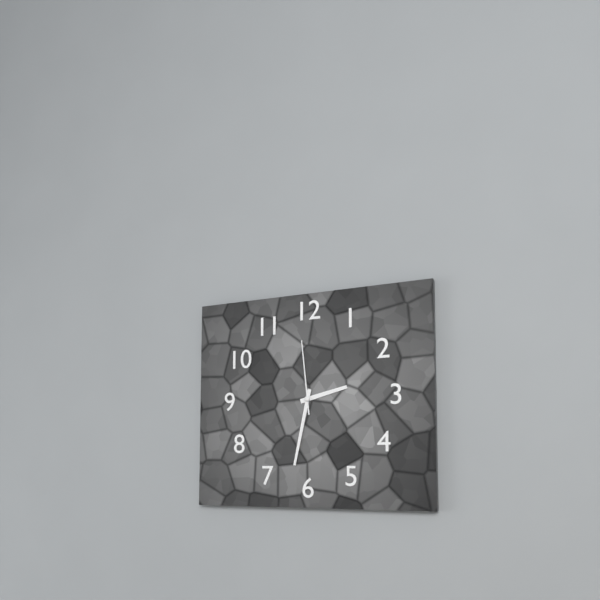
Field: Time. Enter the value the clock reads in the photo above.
2:32:59
